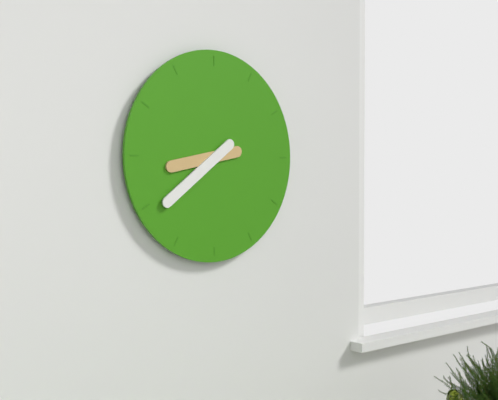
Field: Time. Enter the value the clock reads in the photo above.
8:39
